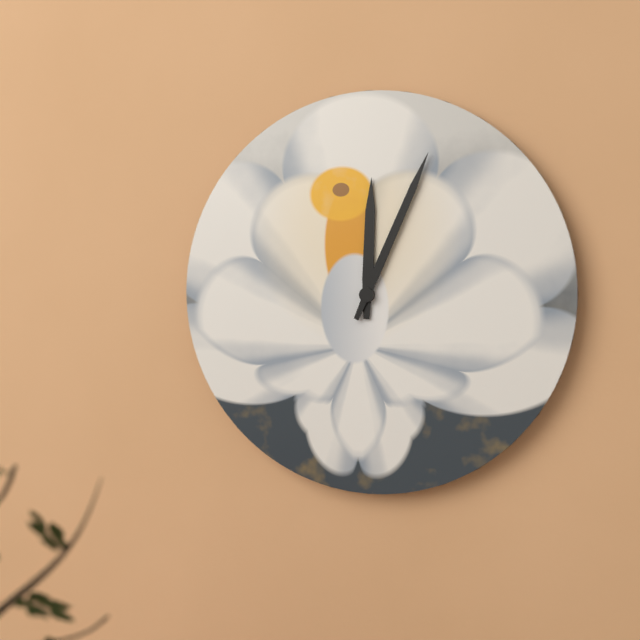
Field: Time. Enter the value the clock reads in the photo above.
12:04
